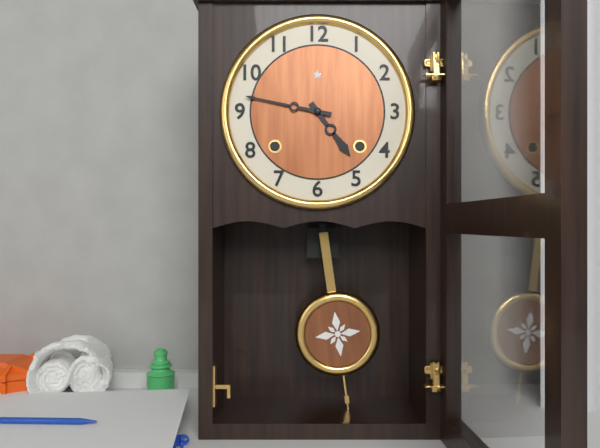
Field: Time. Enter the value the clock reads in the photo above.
4:47
